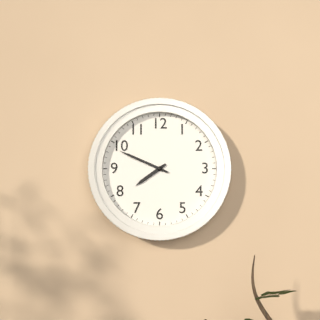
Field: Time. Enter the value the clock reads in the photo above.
7:49
